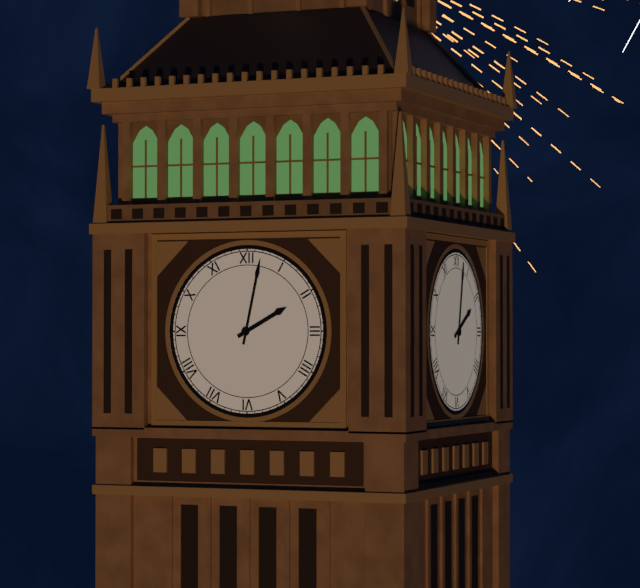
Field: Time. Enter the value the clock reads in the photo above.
2:02
